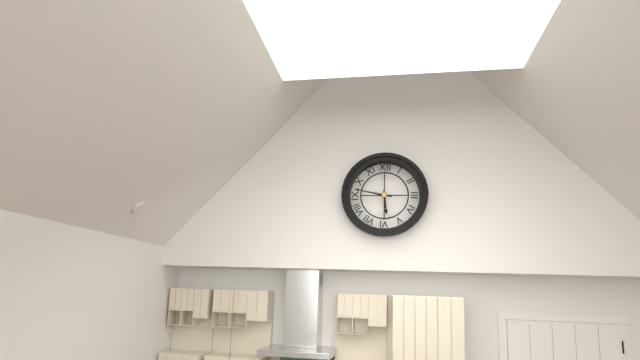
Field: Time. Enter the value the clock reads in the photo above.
5:47
